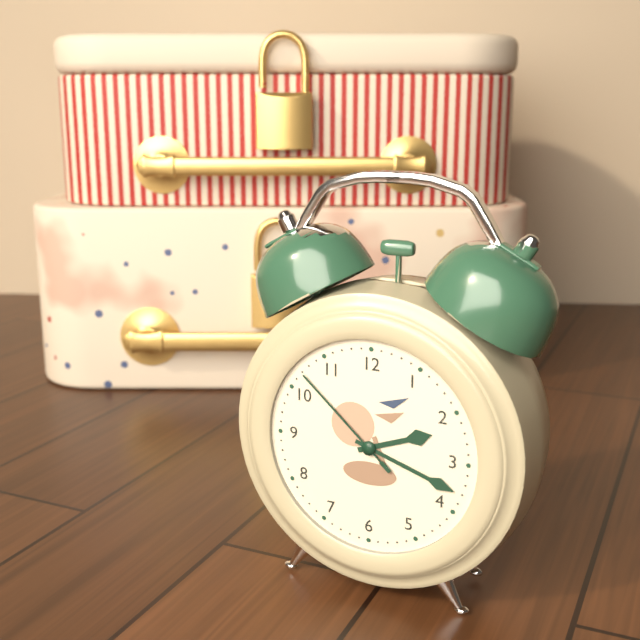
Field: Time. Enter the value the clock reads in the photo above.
2:18:52
